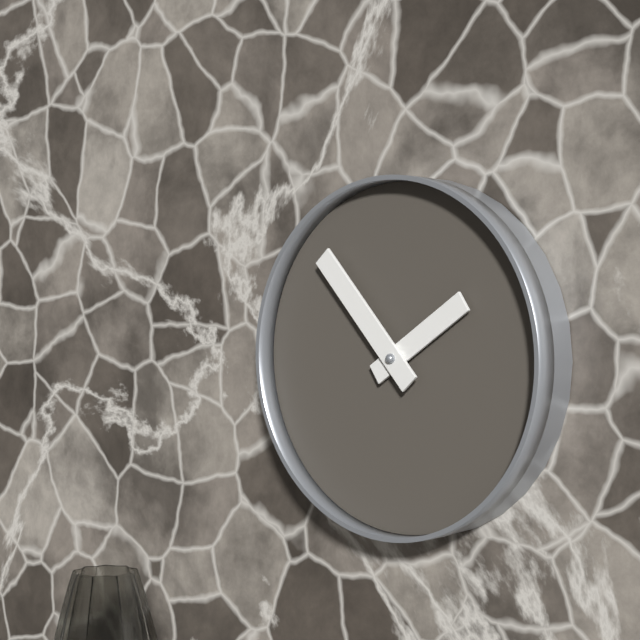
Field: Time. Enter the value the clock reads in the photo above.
1:53
